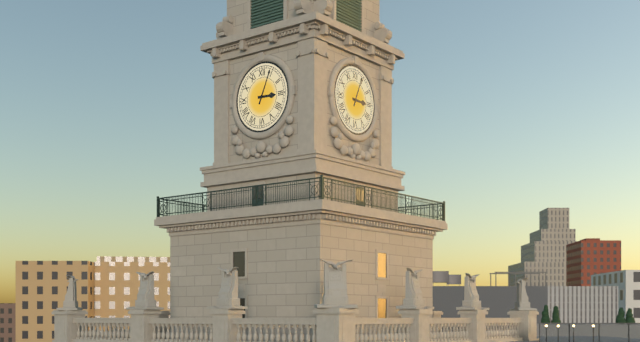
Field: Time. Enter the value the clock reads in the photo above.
3:04
